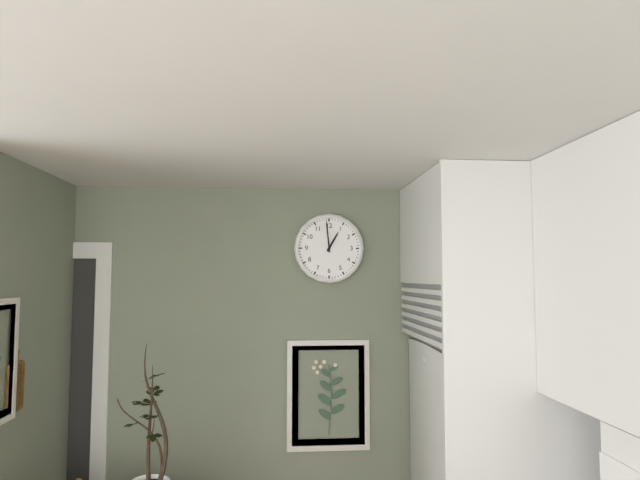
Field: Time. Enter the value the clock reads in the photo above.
12:59
